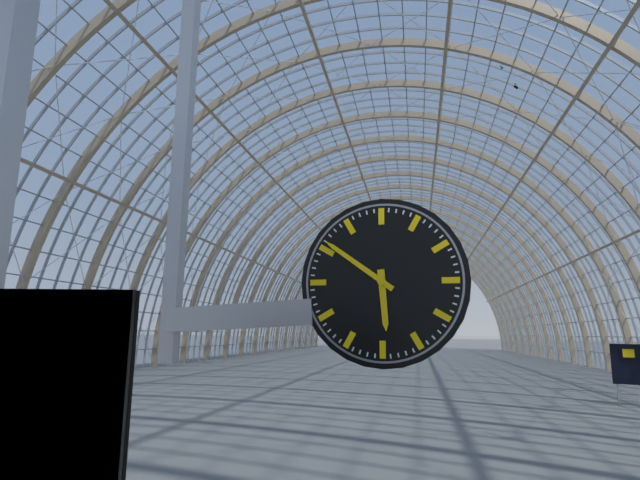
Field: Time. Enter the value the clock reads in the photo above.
5:51
